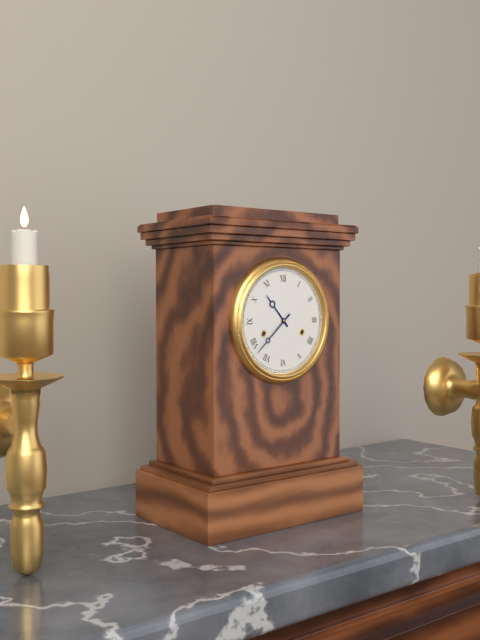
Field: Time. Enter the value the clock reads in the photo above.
10:38
